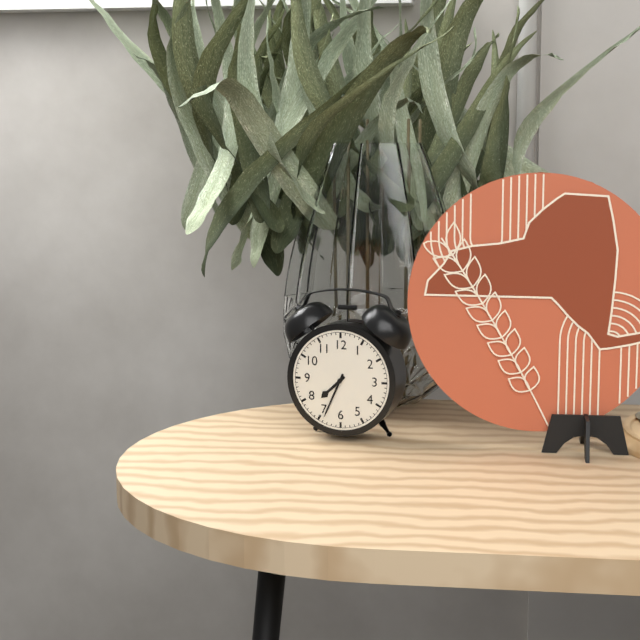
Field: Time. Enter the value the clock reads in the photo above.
7:34
